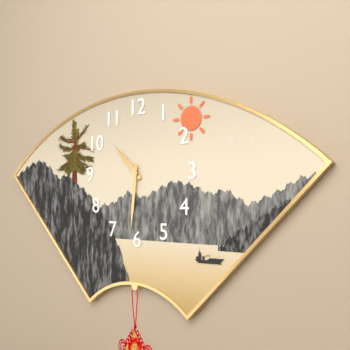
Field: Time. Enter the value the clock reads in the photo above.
10:31
